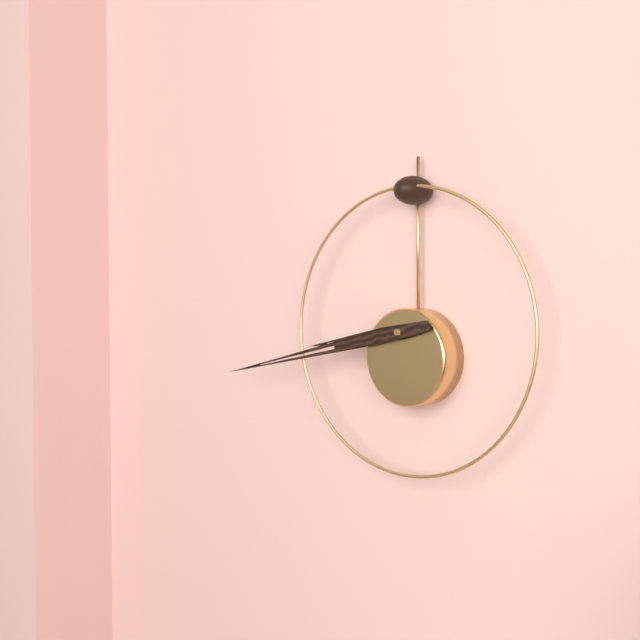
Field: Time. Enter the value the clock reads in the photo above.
8:43
